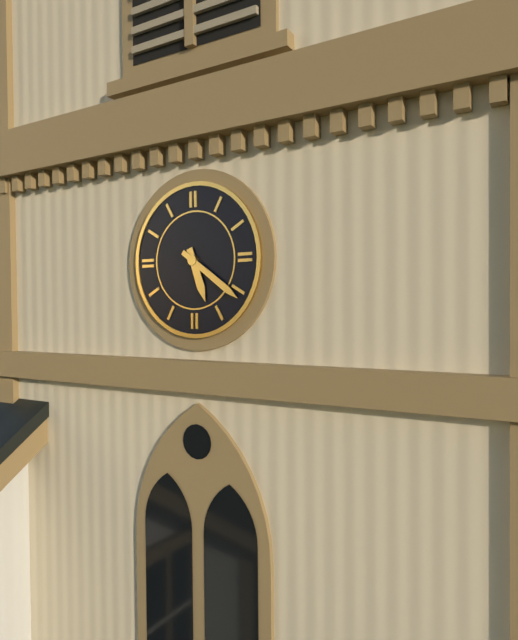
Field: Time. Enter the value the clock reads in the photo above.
5:21
